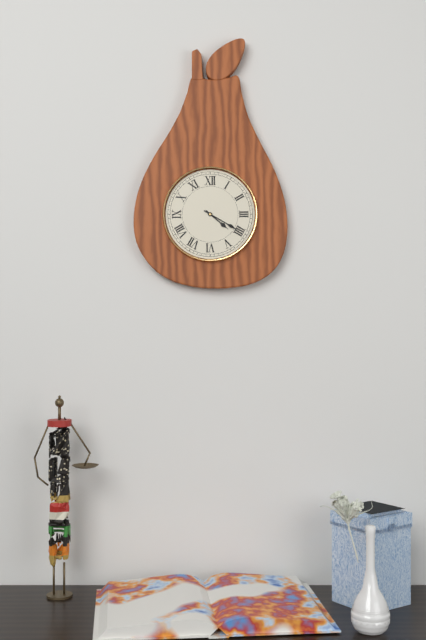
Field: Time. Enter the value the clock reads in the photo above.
4:20
